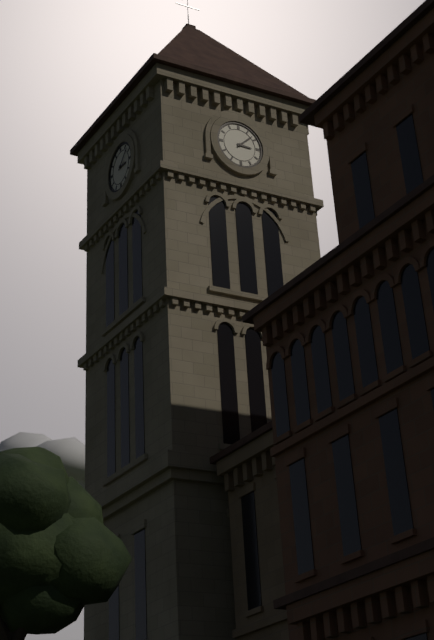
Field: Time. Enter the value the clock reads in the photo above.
3:08
